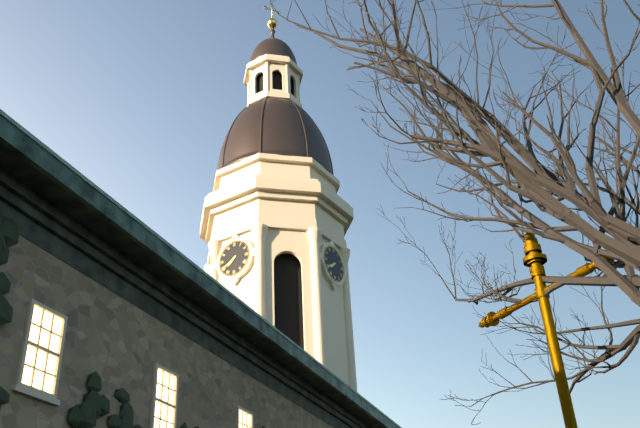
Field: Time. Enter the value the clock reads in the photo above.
7:40
